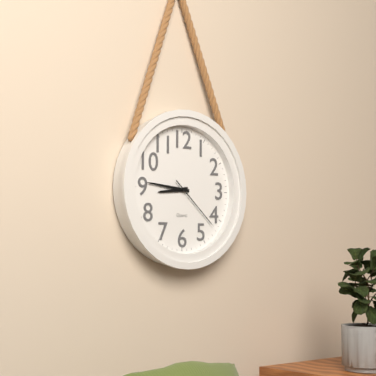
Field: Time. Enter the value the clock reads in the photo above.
8:46:22
